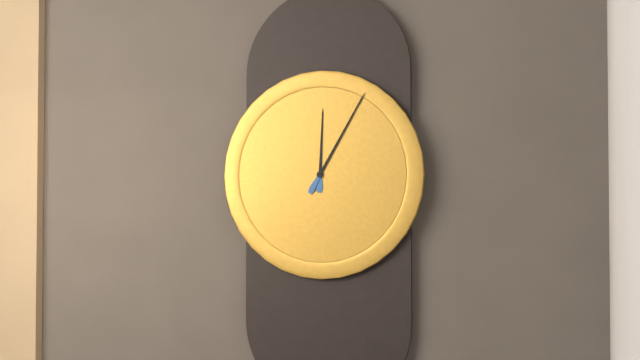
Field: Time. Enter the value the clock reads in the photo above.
12:05
